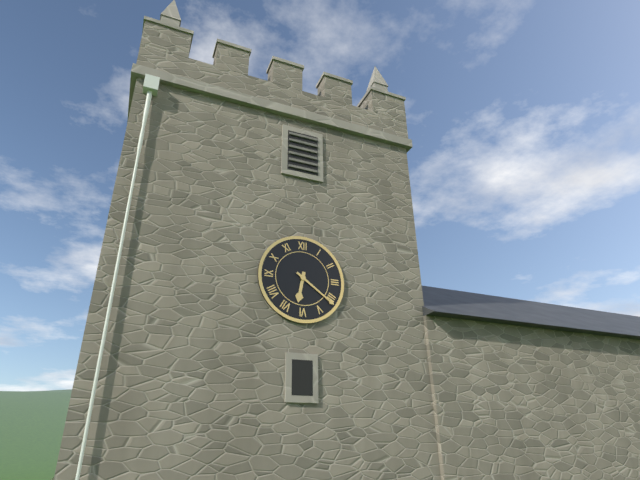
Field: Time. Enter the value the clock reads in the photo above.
6:21
